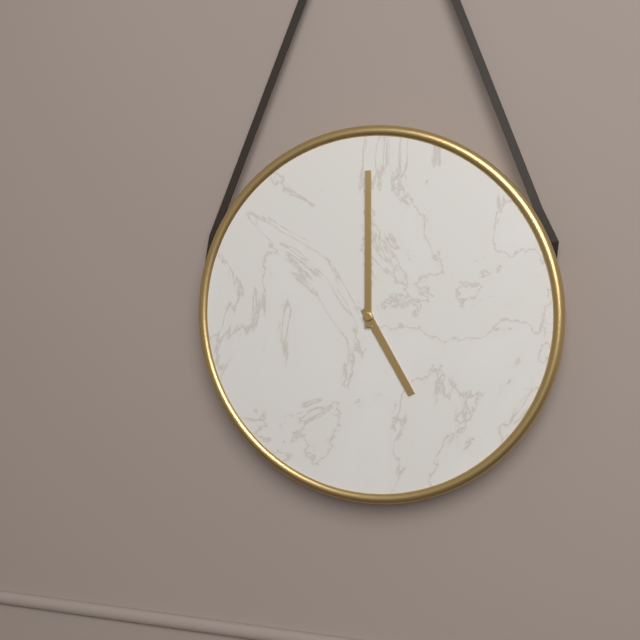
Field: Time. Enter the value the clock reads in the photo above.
5:00
